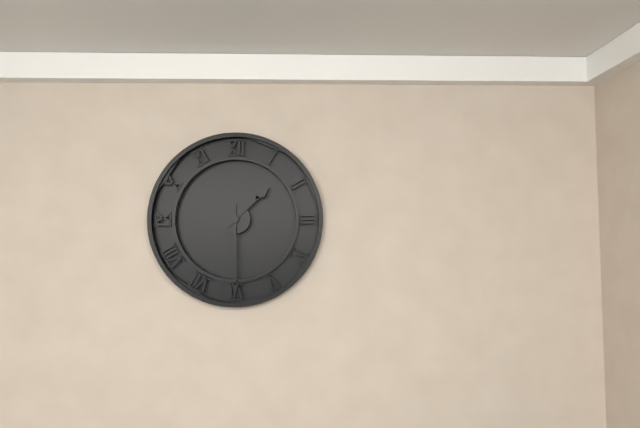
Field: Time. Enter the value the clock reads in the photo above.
1:30
